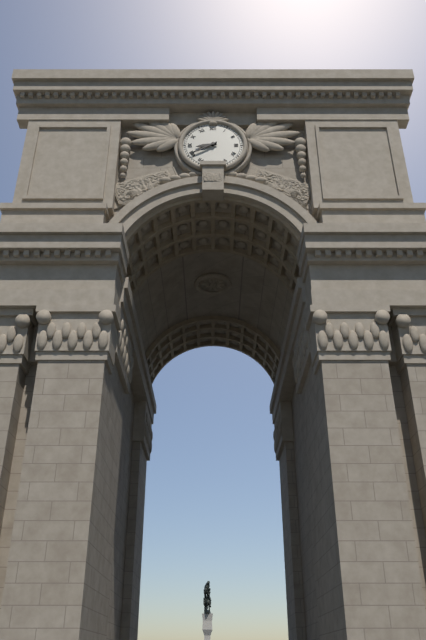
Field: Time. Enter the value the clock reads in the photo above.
8:40
